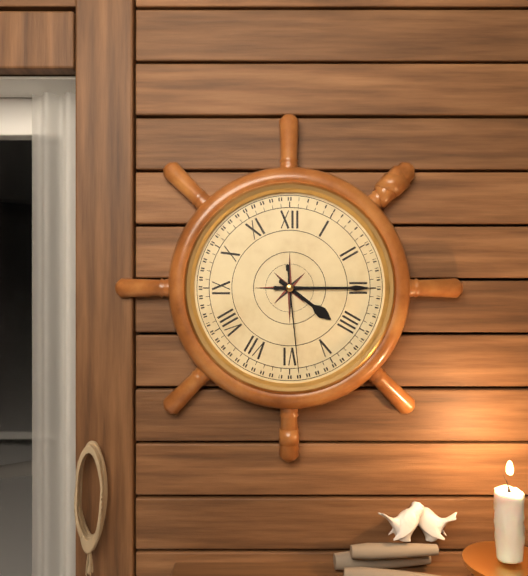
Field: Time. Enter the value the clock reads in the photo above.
4:15:29
